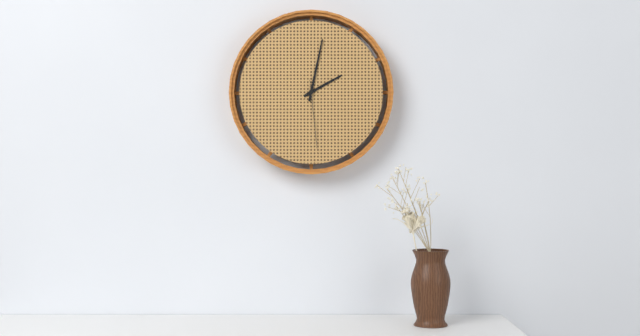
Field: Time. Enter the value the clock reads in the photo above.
2:02:29
